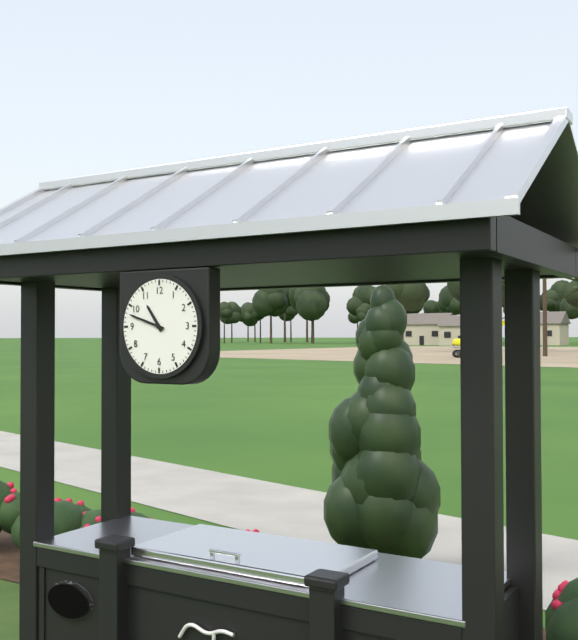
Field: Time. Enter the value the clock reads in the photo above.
10:48
